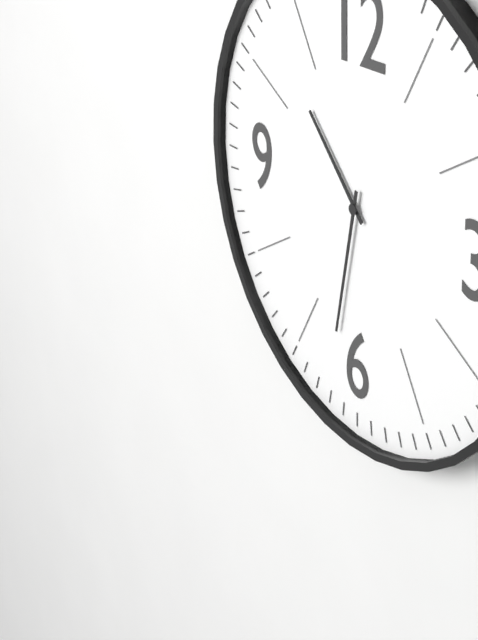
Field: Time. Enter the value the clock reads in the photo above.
10:32
